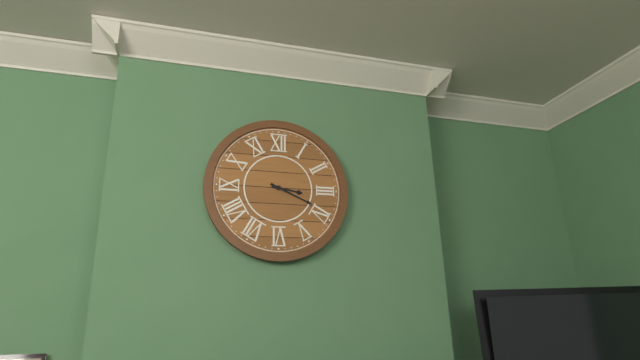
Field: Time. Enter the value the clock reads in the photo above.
3:19
